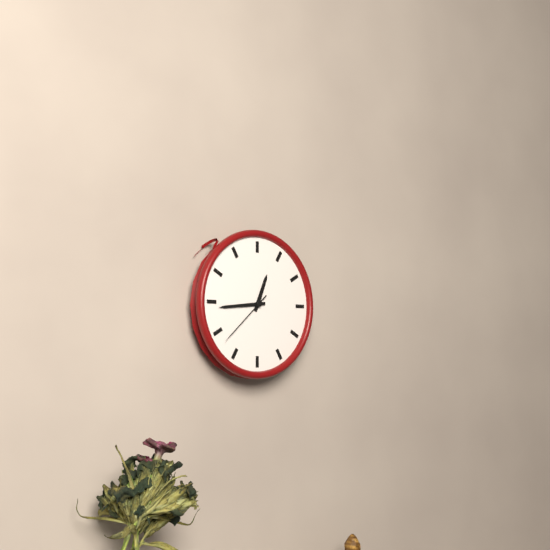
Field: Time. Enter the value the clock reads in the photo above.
12:44:38
